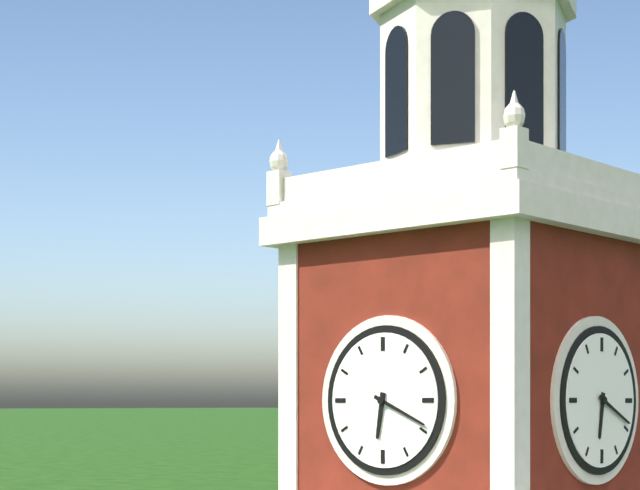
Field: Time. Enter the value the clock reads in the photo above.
6:19
